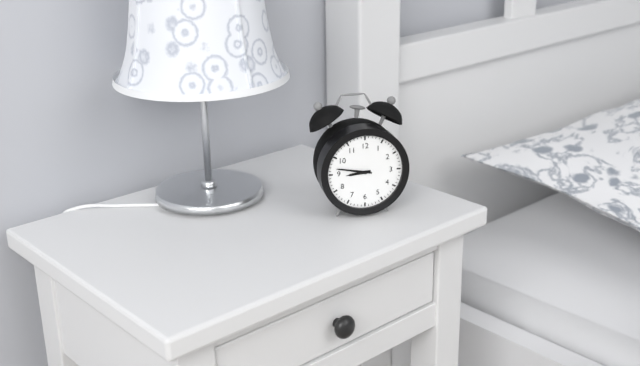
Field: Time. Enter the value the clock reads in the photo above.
8:47
